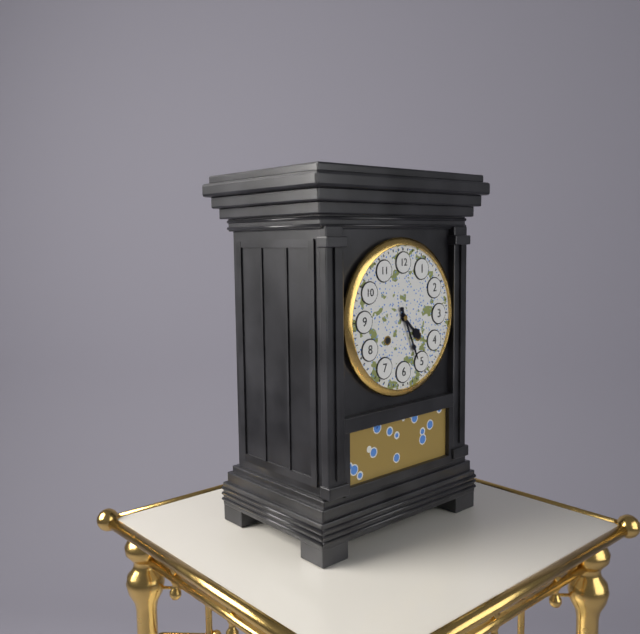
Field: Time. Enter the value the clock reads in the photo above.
4:26
